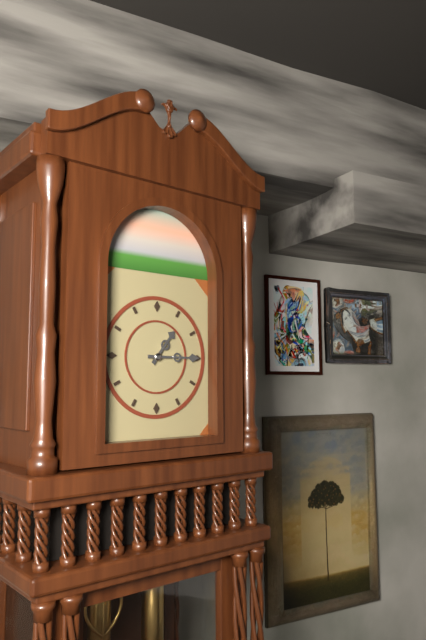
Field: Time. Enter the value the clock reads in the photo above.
1:15
